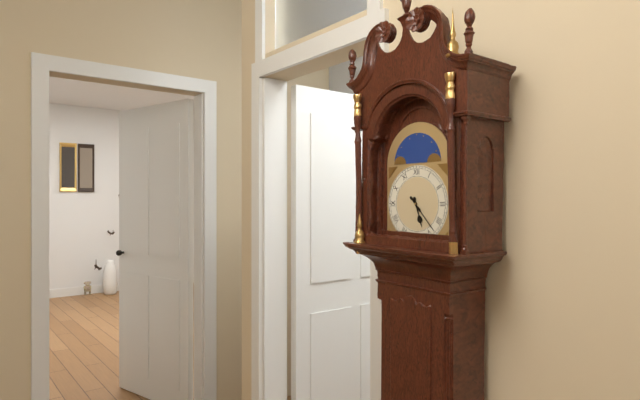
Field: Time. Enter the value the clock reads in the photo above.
5:23
